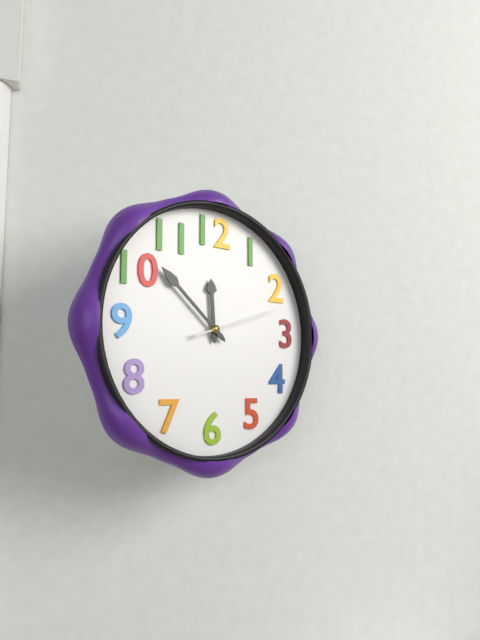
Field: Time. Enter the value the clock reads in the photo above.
11:52:12
